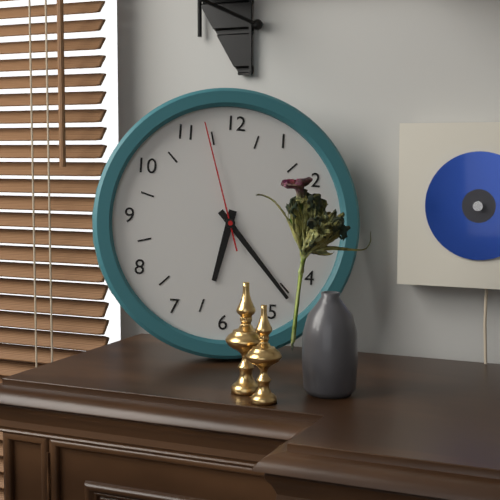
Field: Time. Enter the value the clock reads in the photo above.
6:23:57
